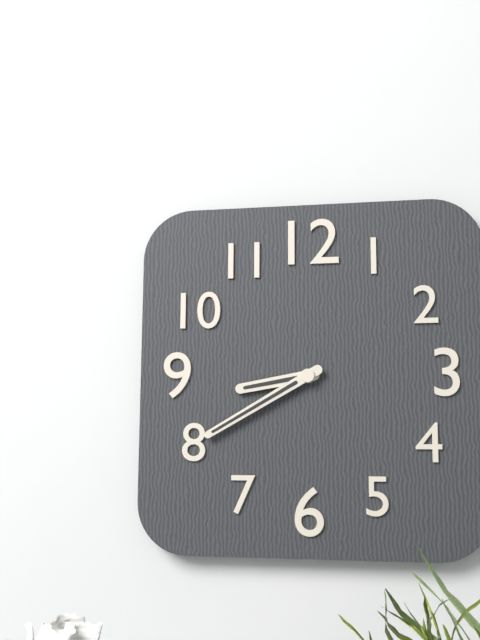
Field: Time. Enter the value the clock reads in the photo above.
8:40
